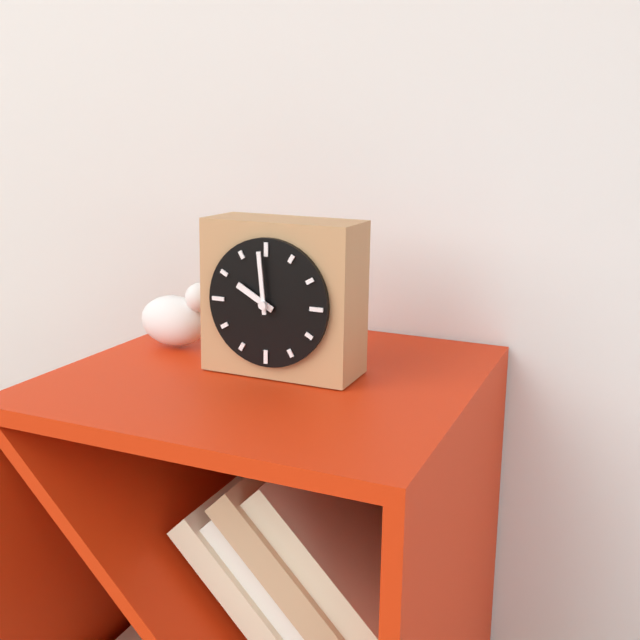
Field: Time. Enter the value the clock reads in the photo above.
9:59
